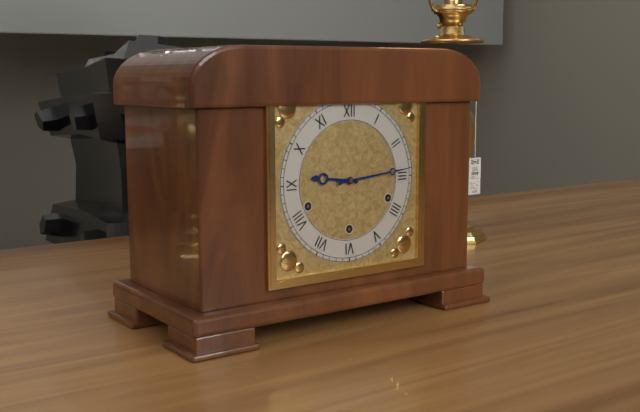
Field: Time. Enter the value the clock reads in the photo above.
9:14
